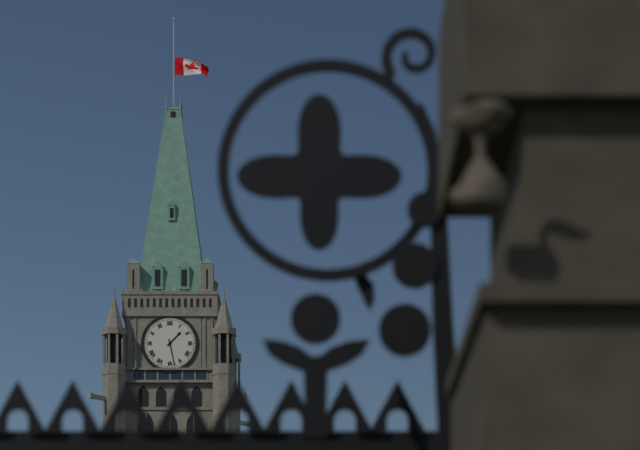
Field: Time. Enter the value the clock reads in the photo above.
1:28
